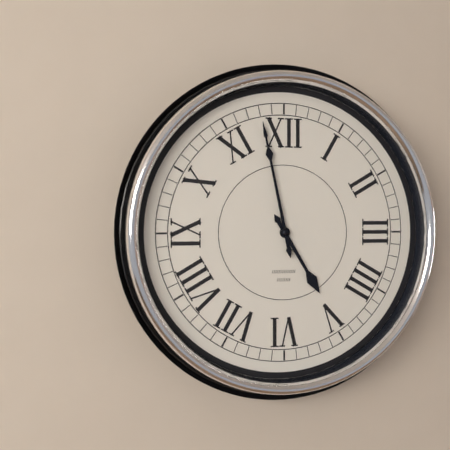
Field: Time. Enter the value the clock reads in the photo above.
4:58
